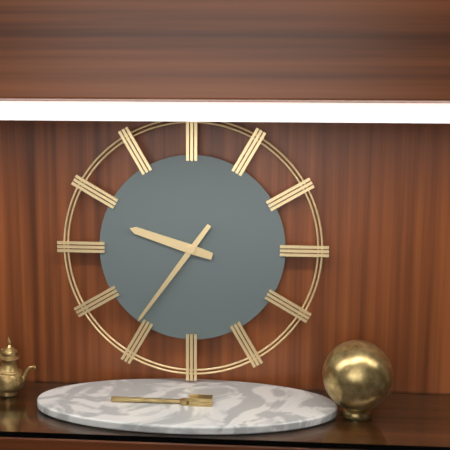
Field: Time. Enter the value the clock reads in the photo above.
9:36
